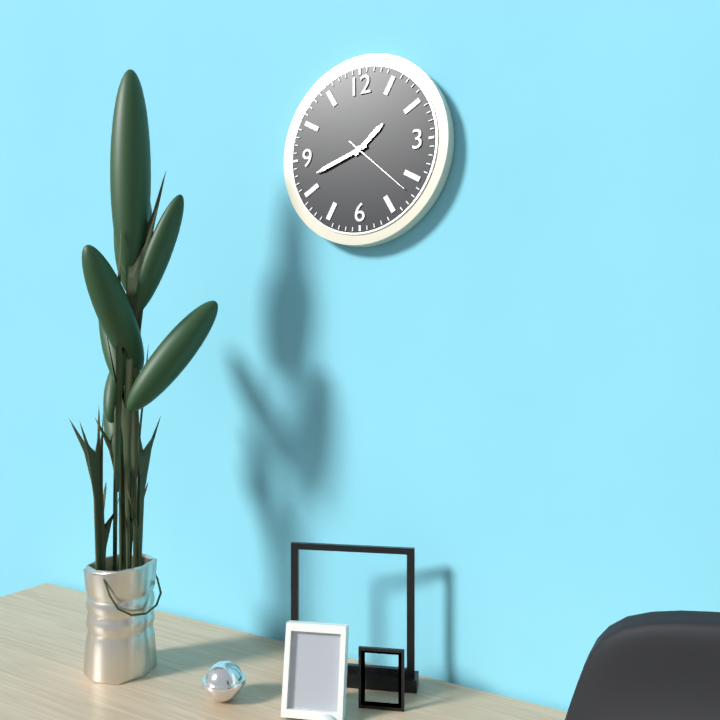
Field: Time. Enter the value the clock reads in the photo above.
1:42:22
